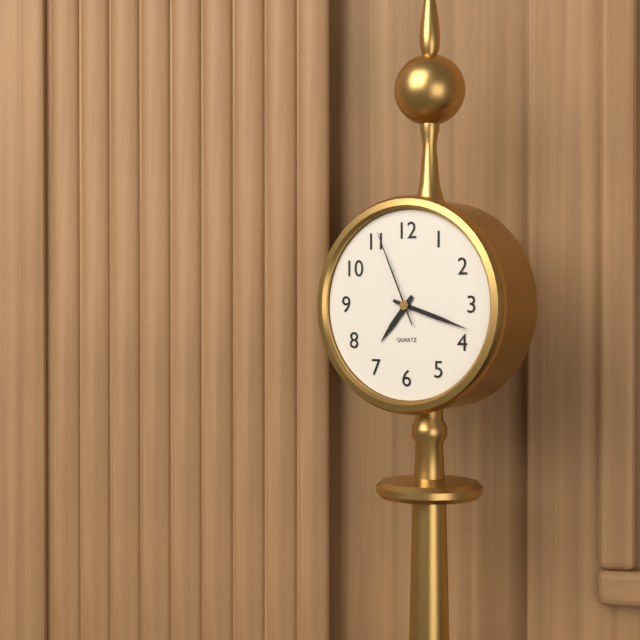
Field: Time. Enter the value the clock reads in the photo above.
7:18:56
